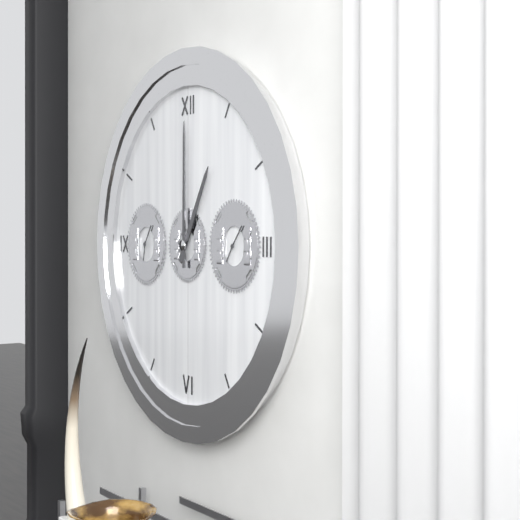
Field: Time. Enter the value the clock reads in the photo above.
1:00
